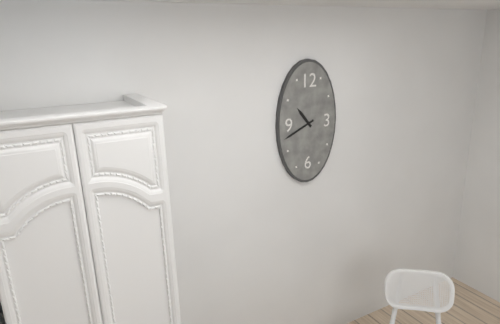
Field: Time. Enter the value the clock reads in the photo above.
10:41
